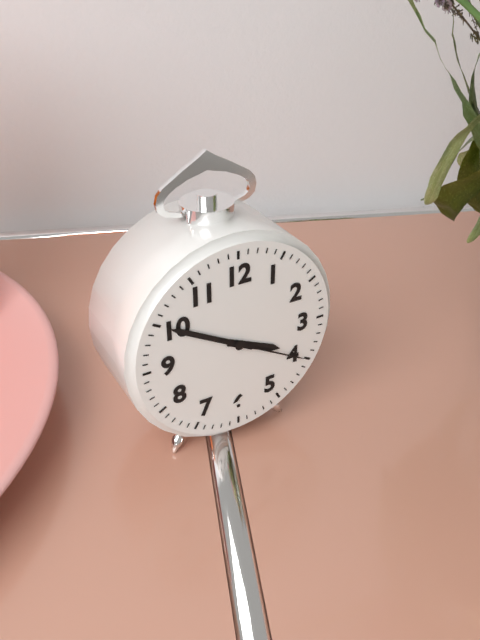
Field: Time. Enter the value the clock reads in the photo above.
3:50:20
